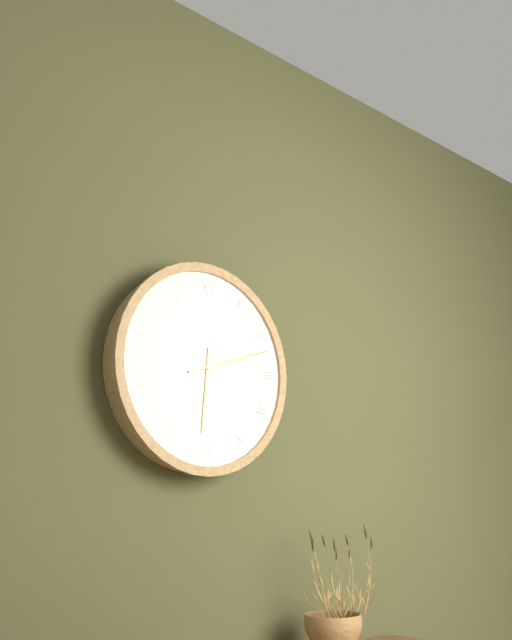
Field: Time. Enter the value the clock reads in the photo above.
6:12
